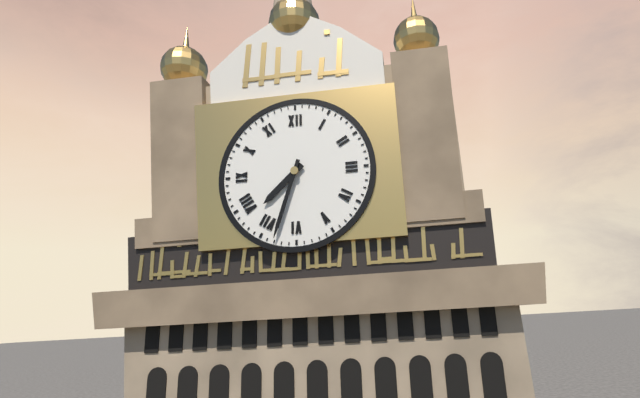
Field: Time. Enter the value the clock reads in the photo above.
7:33
